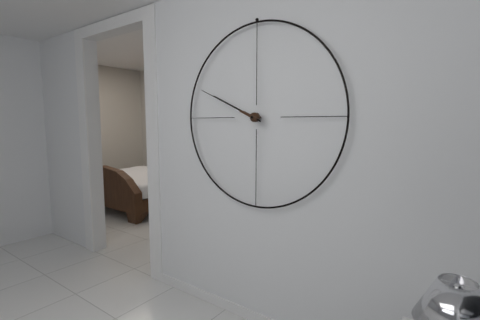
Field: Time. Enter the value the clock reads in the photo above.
9:49
